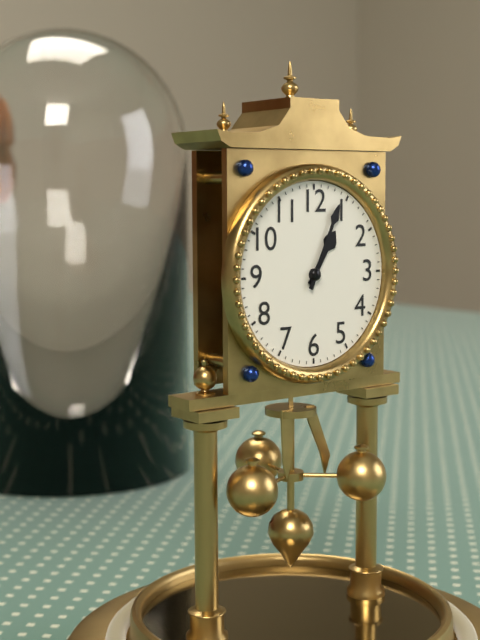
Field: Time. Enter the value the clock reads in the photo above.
1:04
